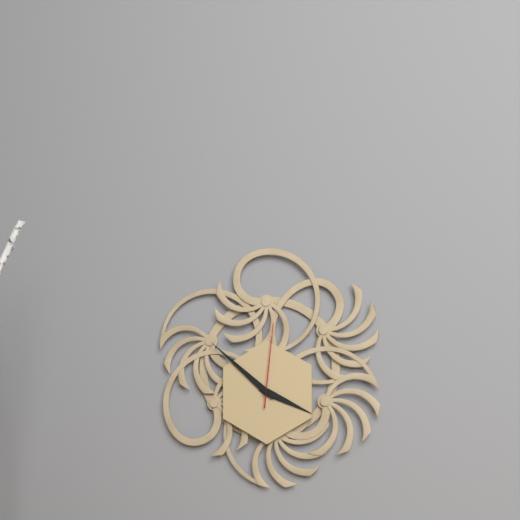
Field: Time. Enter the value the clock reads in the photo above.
3:52:01
